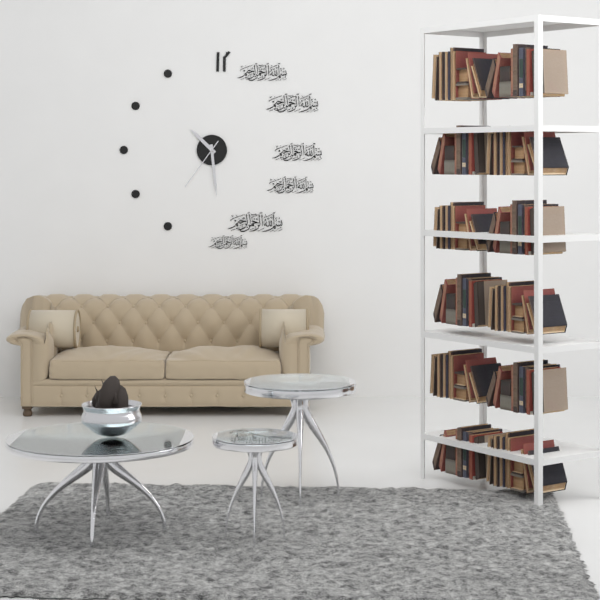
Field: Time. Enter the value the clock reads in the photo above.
10:29:36
